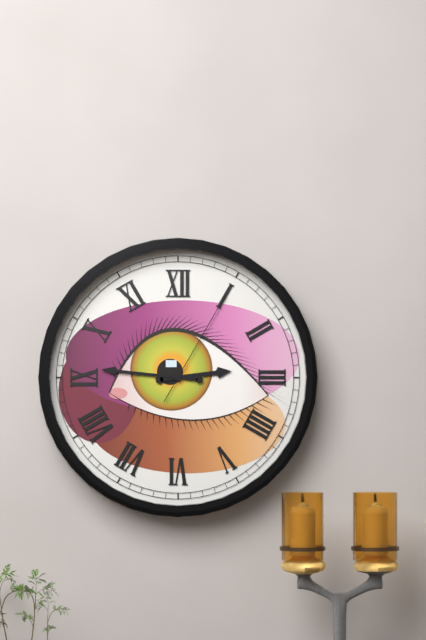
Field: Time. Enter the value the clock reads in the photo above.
2:46:05
